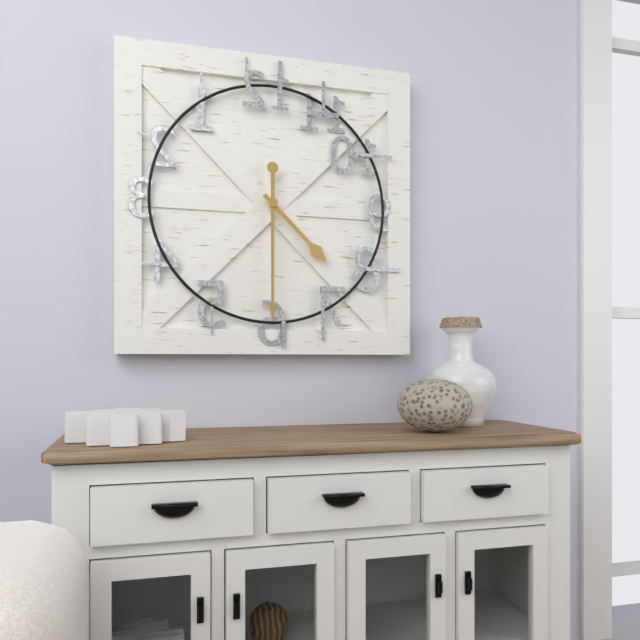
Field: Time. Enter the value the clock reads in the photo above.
4:30
